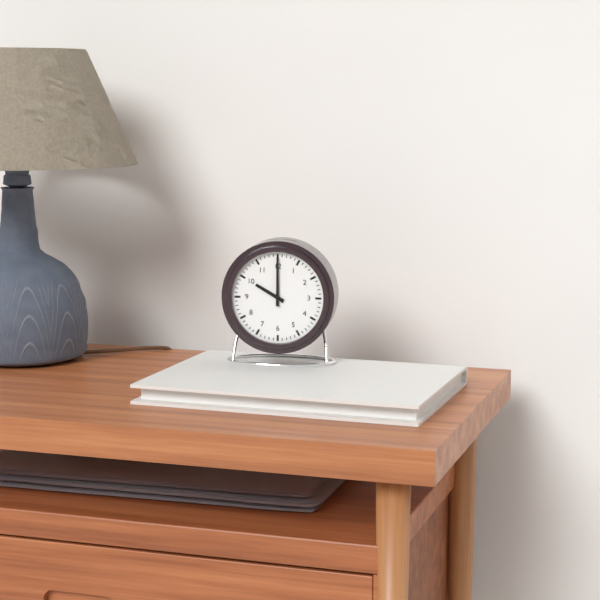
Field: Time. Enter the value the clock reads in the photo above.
10:00
